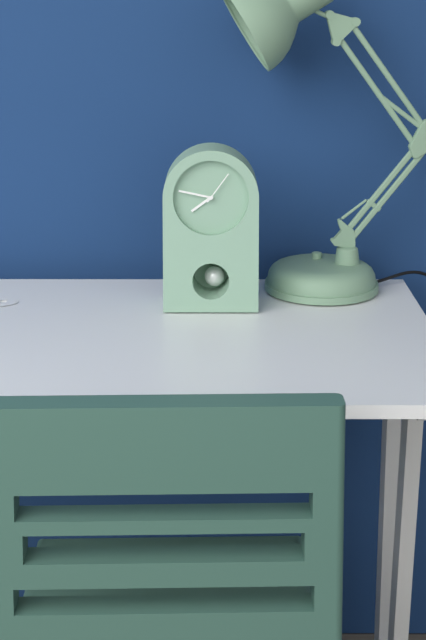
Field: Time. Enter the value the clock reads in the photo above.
7:47
